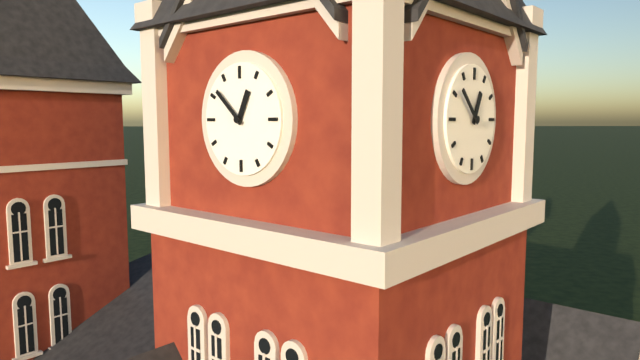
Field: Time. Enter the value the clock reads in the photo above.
12:52
